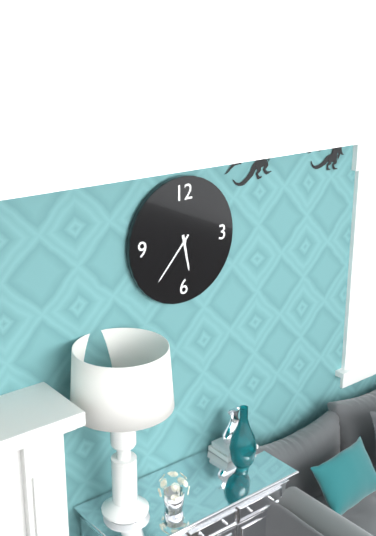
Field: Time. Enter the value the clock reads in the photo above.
5:37
